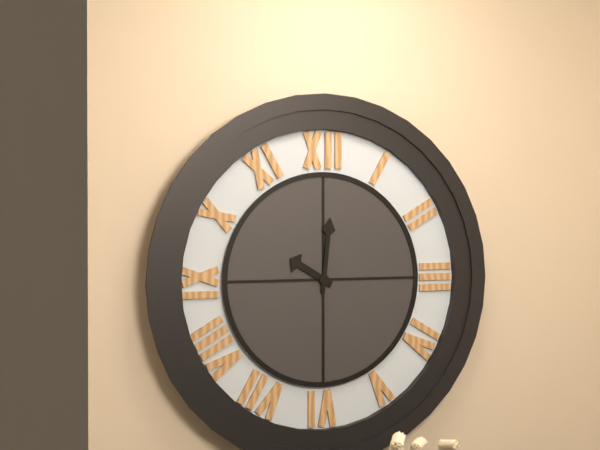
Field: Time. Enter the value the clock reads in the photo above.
10:01
